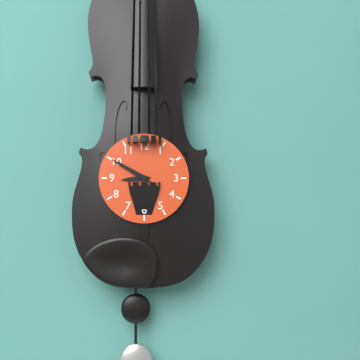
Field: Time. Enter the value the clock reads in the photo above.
8:50
